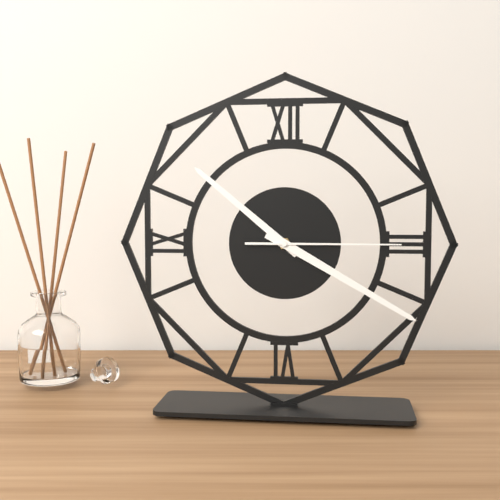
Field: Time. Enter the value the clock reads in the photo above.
10:20:15
